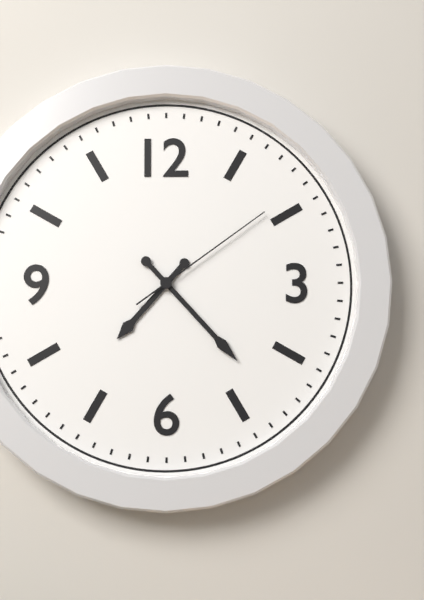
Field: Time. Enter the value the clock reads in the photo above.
7:23:09
